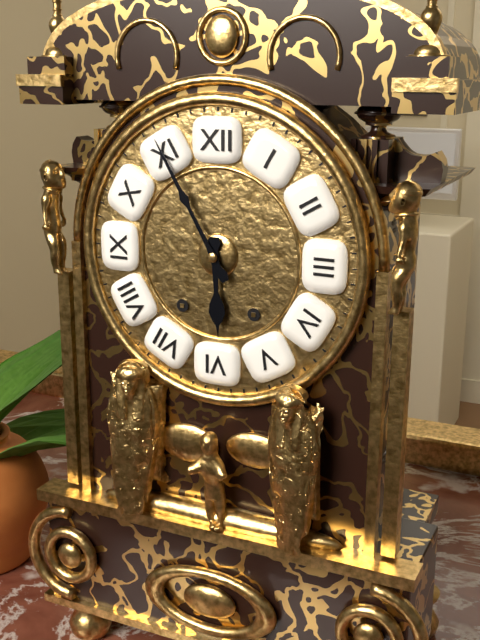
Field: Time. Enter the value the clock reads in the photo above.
5:55
